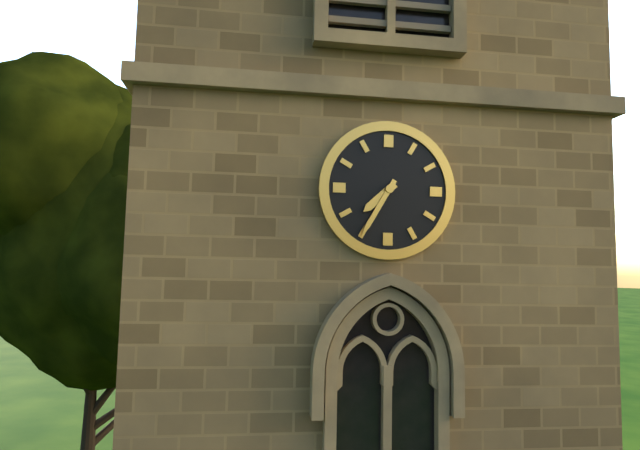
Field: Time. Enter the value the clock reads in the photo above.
7:35
